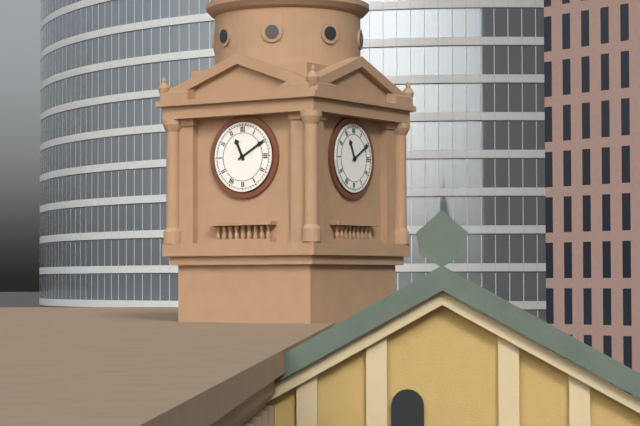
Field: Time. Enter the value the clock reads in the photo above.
11:10
